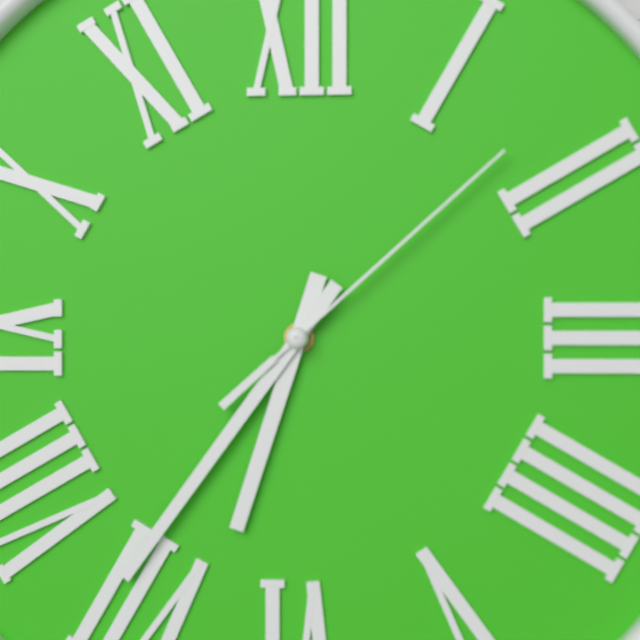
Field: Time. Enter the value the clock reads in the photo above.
6:36:08
